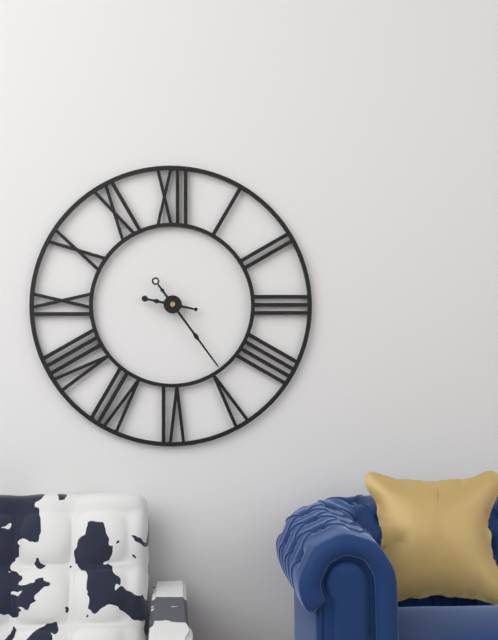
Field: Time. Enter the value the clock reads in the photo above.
9:24
